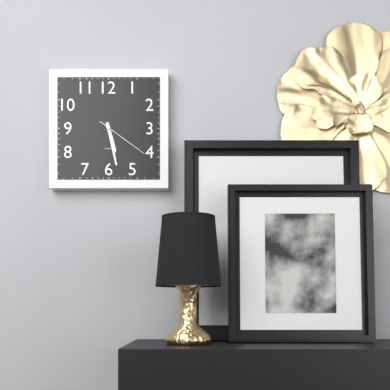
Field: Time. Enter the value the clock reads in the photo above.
5:28:21
